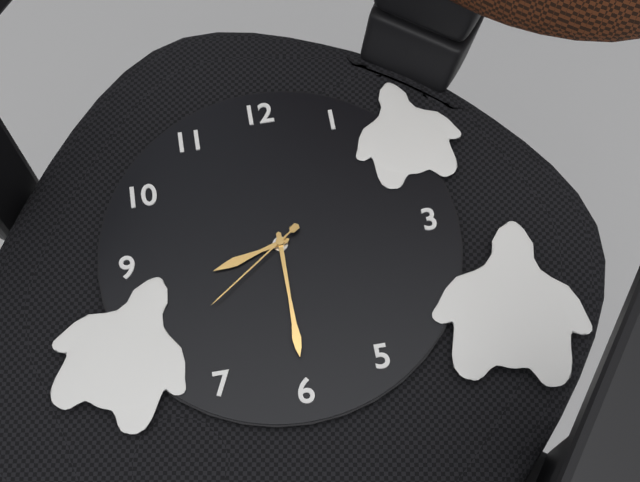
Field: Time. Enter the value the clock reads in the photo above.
8:30:39
